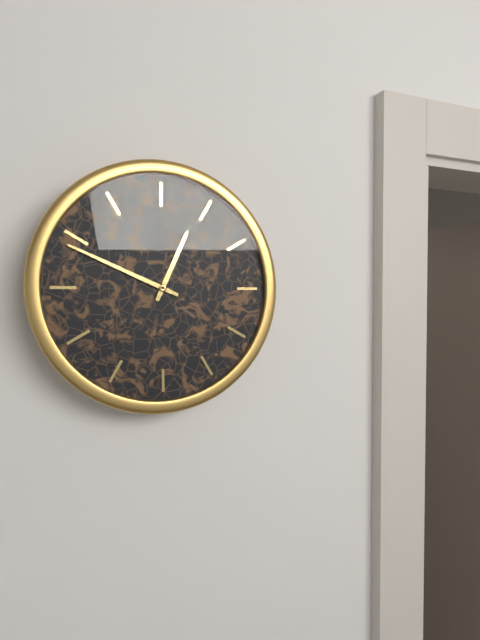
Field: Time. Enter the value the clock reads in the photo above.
12:49
